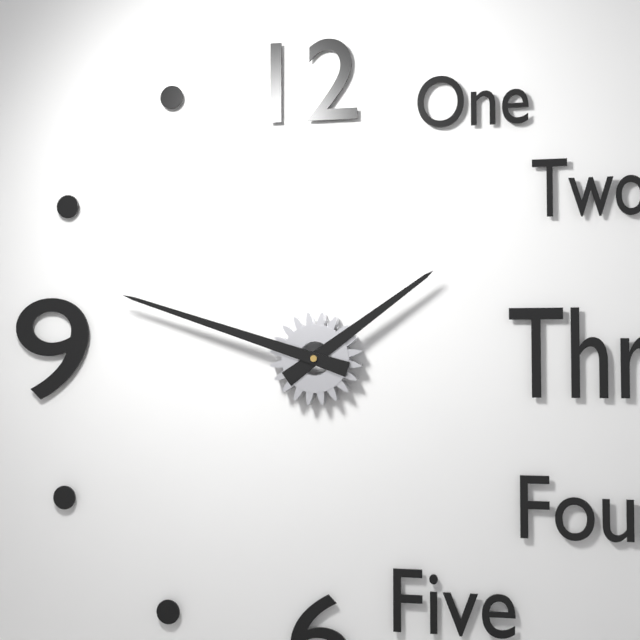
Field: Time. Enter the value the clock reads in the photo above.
1:48
